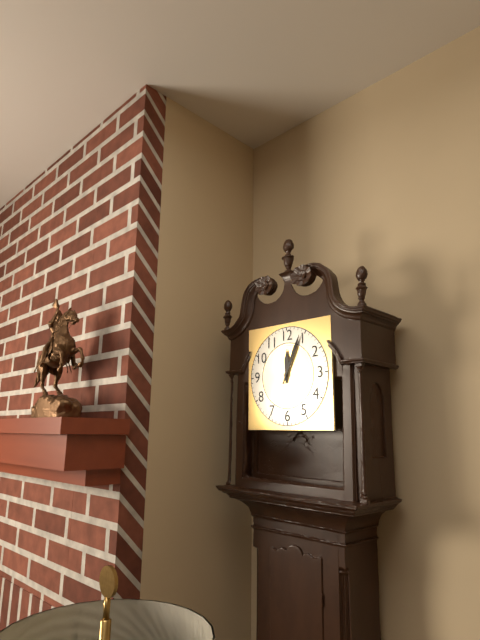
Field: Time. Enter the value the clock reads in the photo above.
12:04
